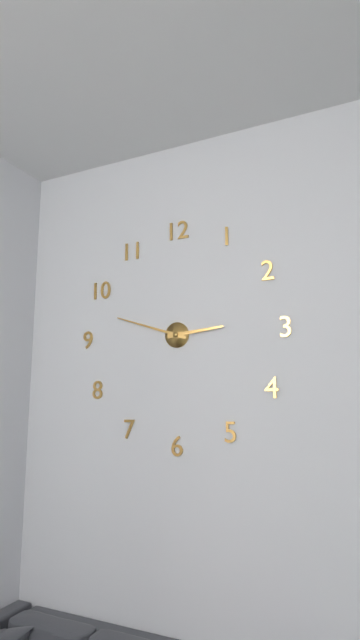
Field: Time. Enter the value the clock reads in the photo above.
2:48
